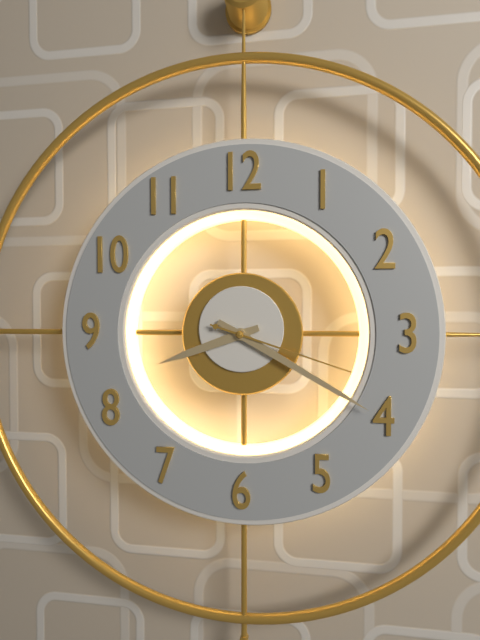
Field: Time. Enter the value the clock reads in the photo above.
8:20:18
